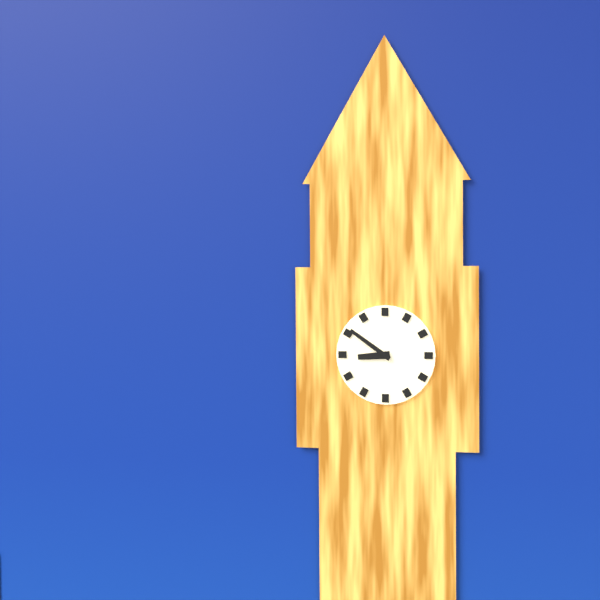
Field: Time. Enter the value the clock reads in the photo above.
8:51
